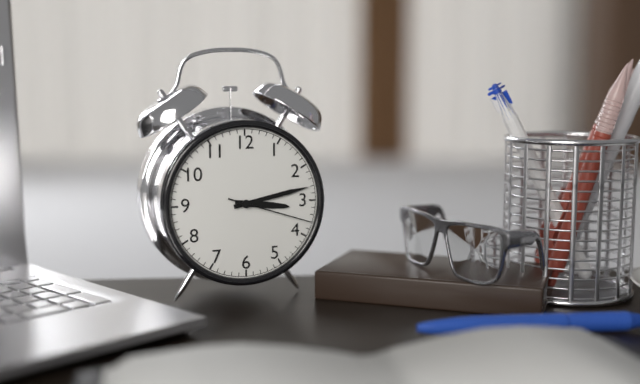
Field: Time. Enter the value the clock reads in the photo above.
3:13:18
